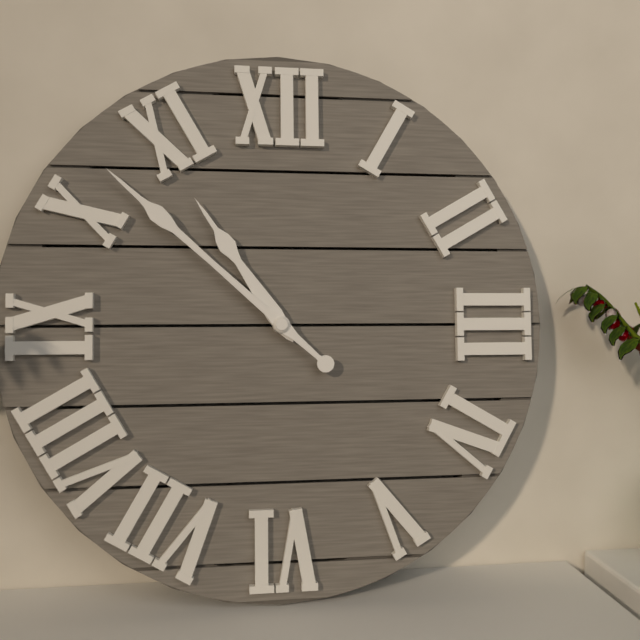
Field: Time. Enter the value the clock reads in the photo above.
10:52
